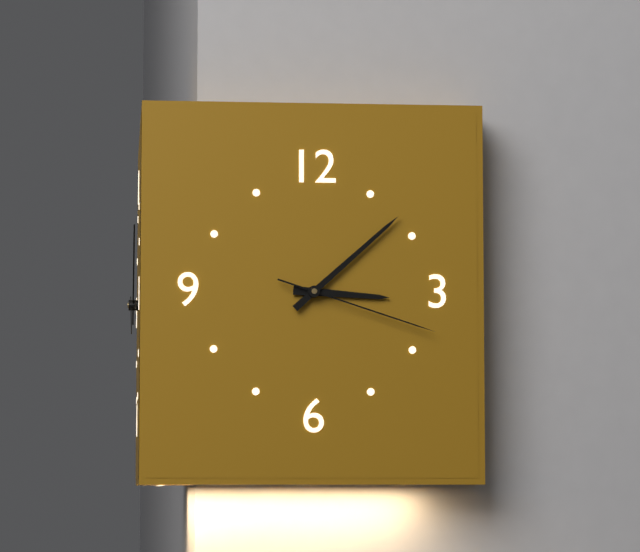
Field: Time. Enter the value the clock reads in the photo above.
3:08:18
